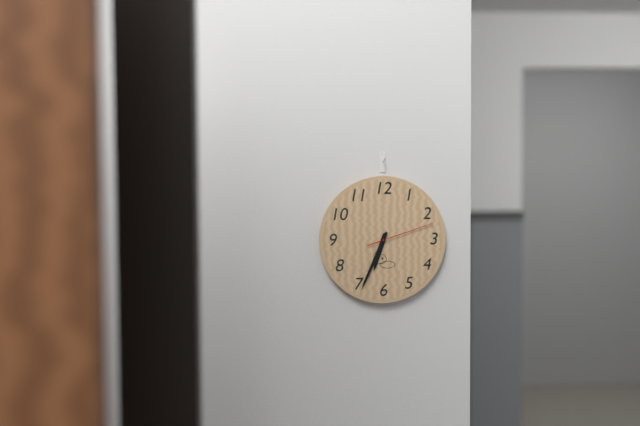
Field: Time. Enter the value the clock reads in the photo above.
6:34:12
